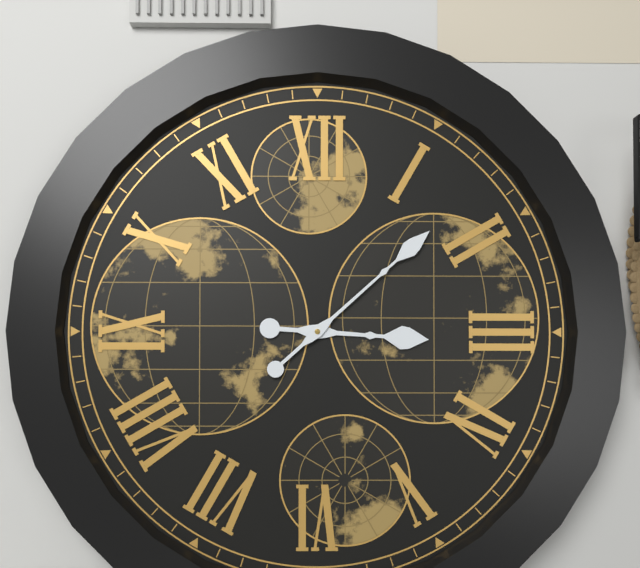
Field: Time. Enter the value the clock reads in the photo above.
3:08
